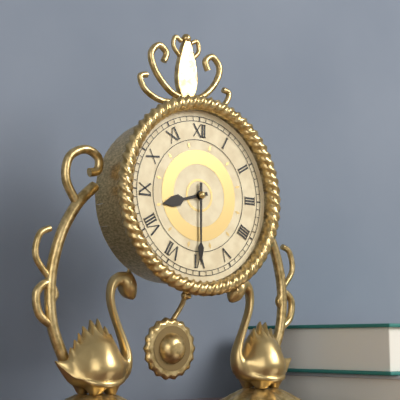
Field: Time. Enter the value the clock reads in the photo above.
8:30
